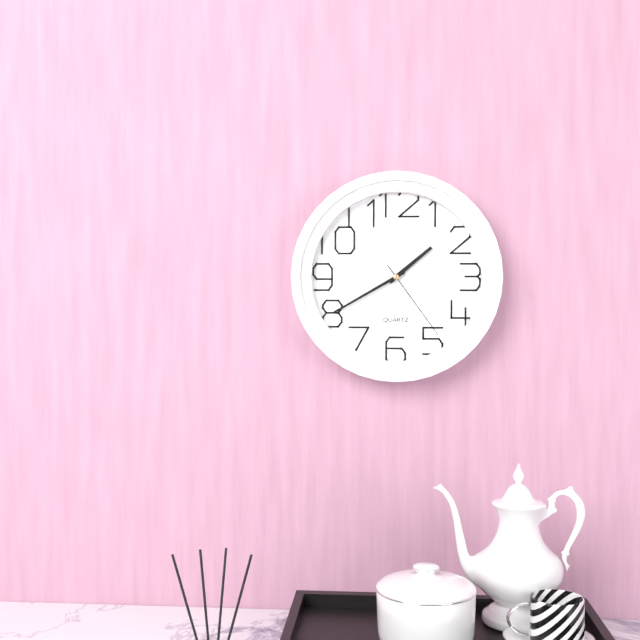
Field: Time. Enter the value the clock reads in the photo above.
1:40:24
